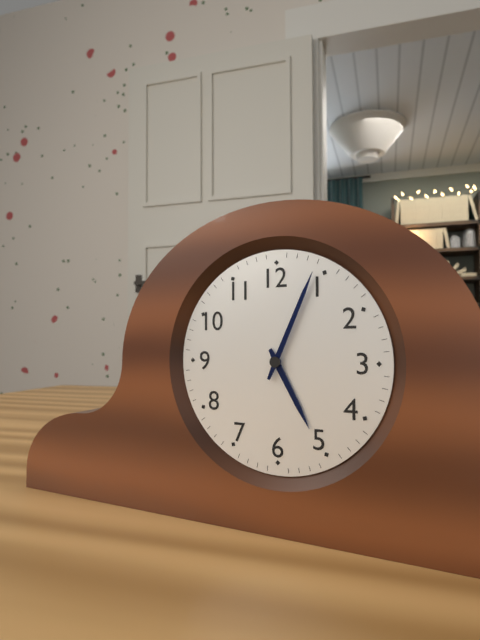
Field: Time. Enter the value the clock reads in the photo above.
5:04
